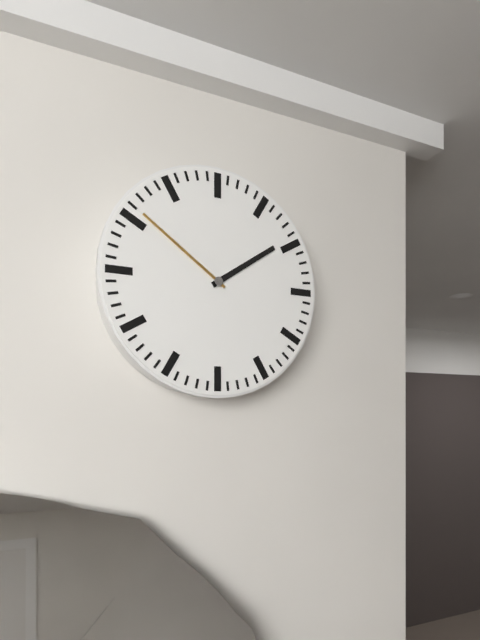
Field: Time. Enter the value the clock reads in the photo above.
1:51
